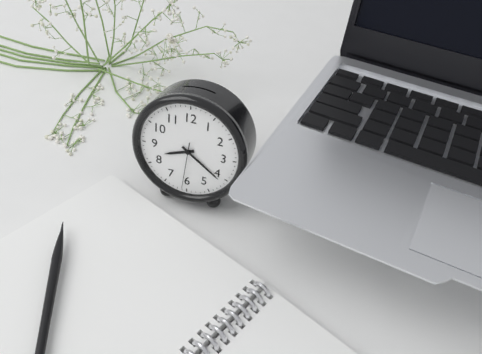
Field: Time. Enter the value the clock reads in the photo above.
8:21
